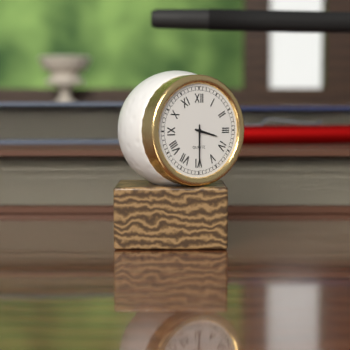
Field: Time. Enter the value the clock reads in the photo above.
3:30
